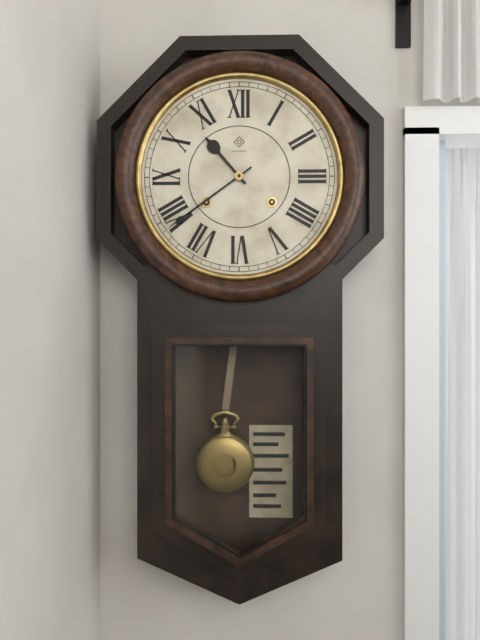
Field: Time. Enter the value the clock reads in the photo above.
10:39
